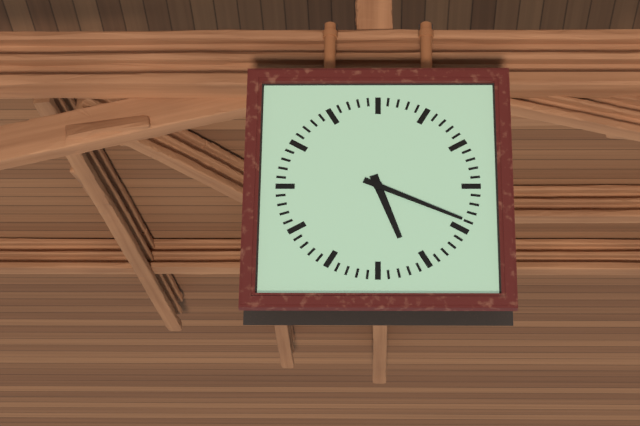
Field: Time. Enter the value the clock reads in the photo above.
5:19
